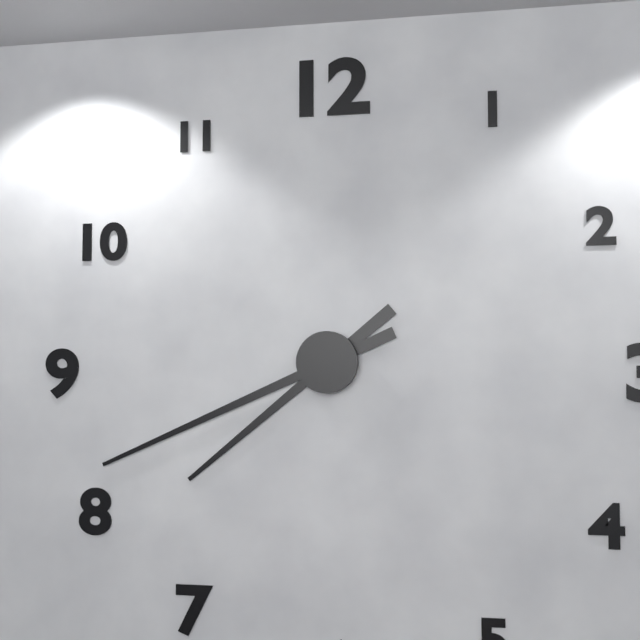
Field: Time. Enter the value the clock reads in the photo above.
7:41
